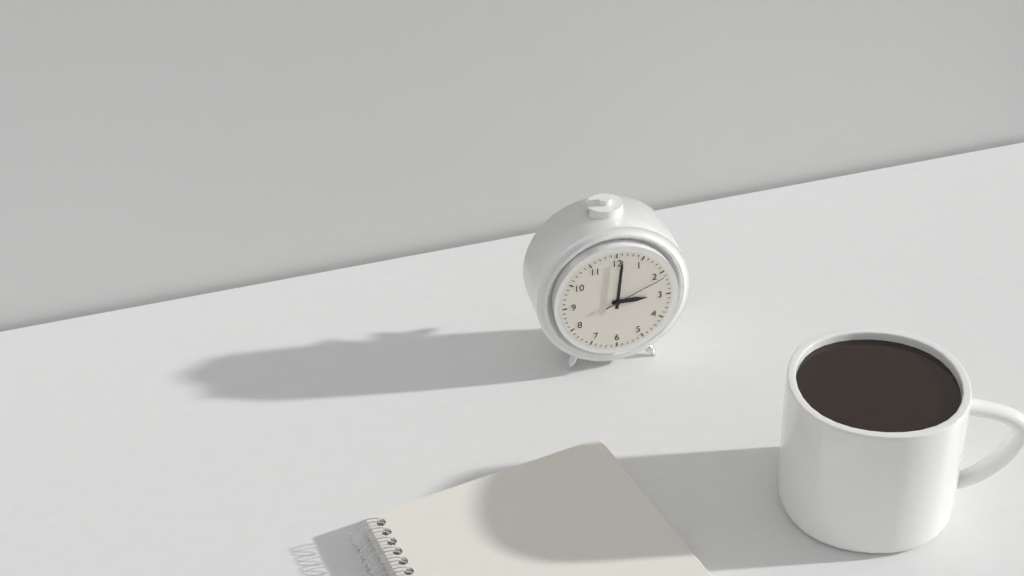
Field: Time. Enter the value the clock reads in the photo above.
3:01:11
